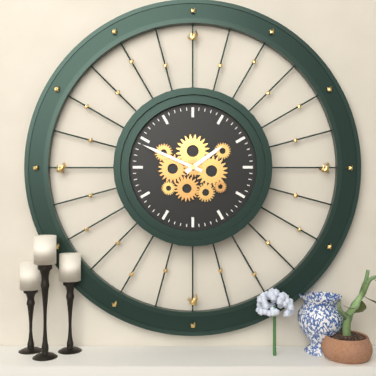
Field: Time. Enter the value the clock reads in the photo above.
1:49
